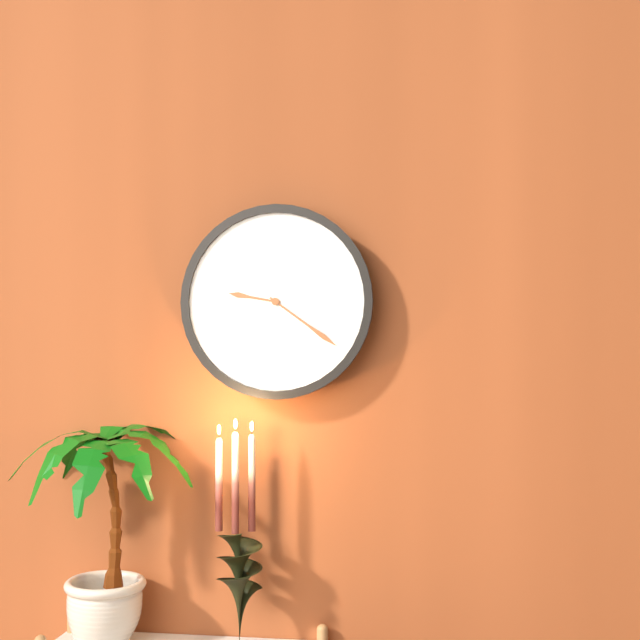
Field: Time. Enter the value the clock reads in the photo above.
9:21
